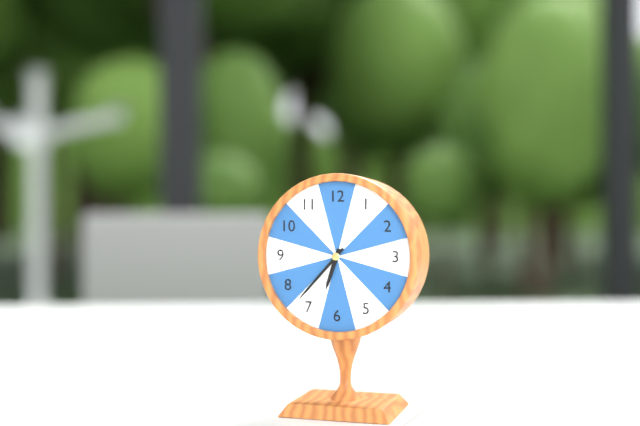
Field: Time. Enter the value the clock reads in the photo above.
6:37
